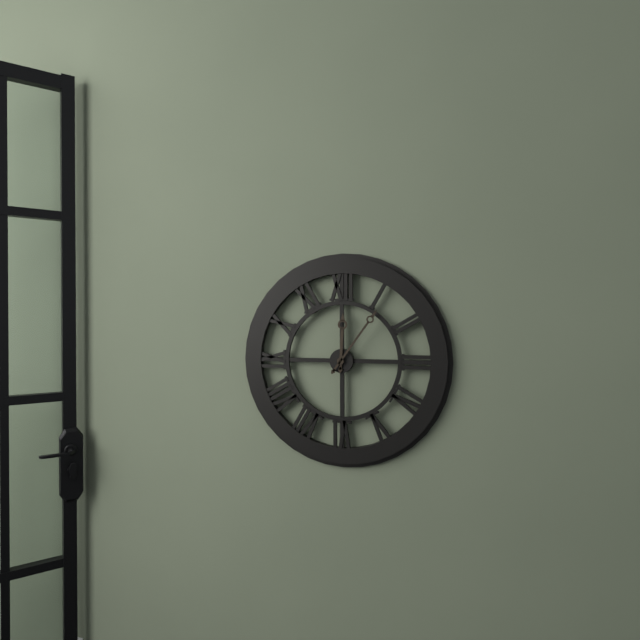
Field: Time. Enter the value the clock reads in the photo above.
12:06
